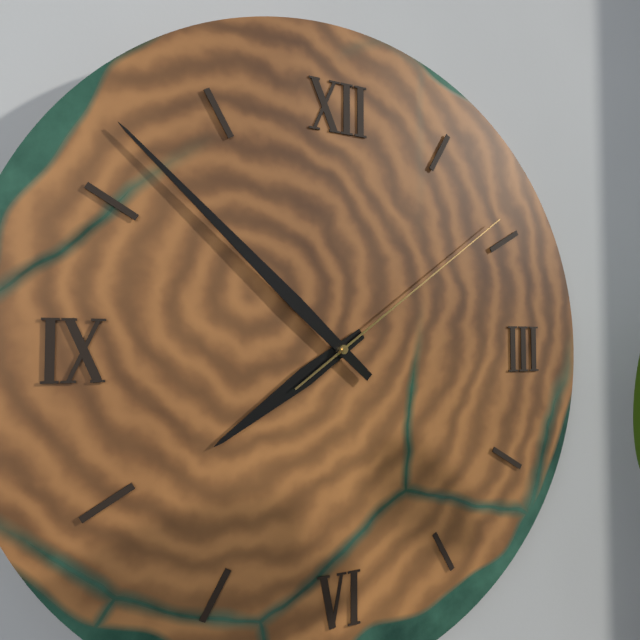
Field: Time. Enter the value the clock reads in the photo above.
7:52:09
